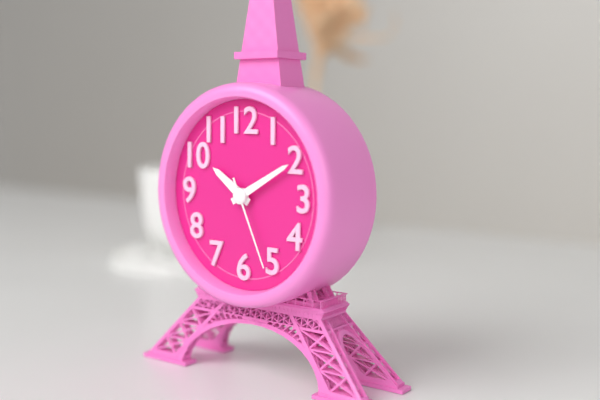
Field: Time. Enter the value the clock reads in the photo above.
10:10:26
